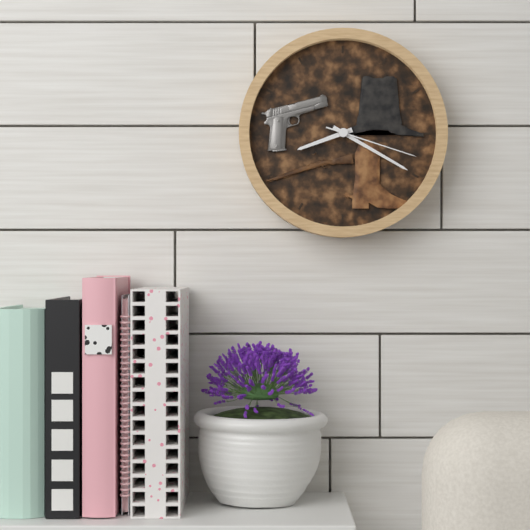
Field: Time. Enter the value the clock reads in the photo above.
8:20:18
